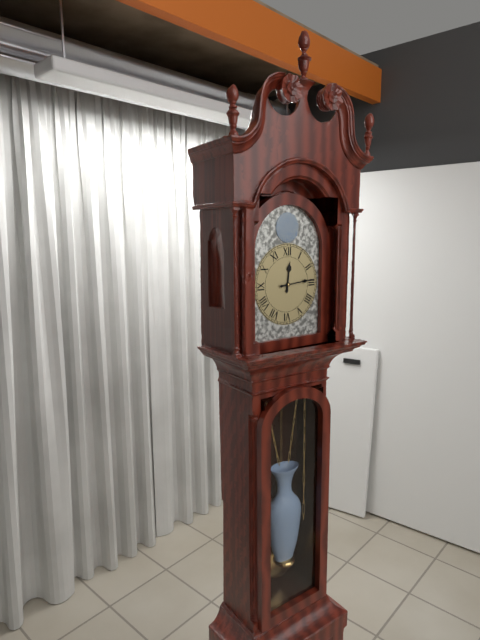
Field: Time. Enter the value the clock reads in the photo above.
12:14
